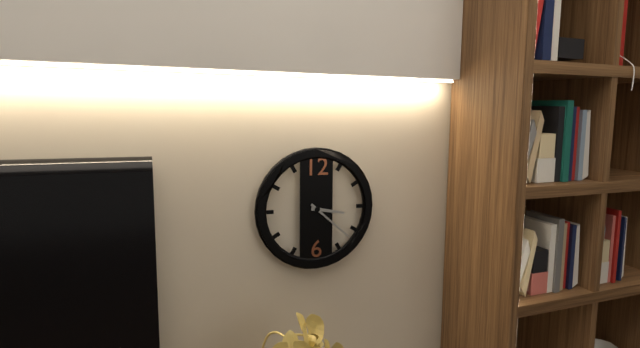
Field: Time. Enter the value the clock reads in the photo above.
3:22
